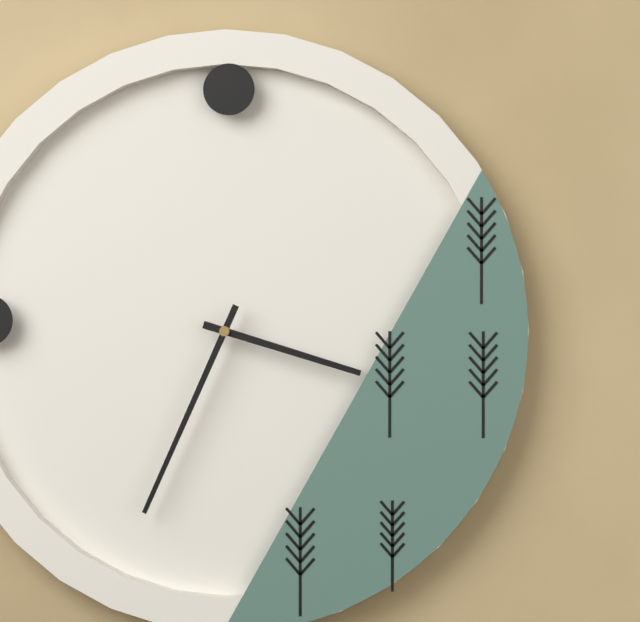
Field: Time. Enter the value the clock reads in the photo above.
3:34
